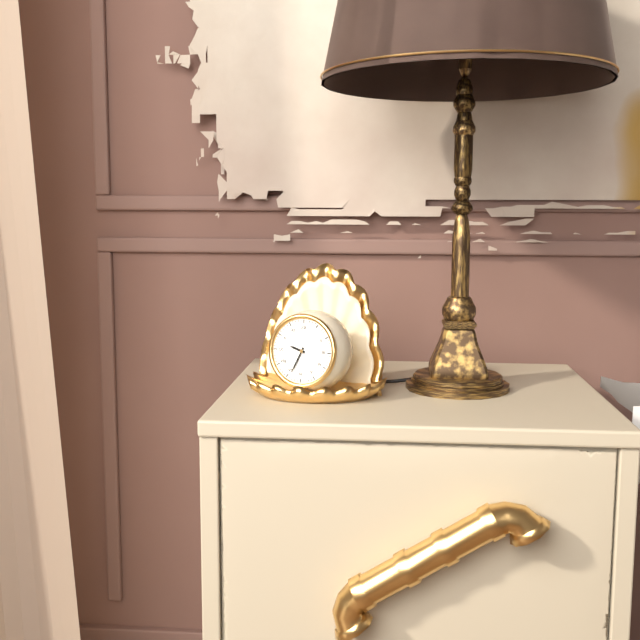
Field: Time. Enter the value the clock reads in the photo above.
9:34
